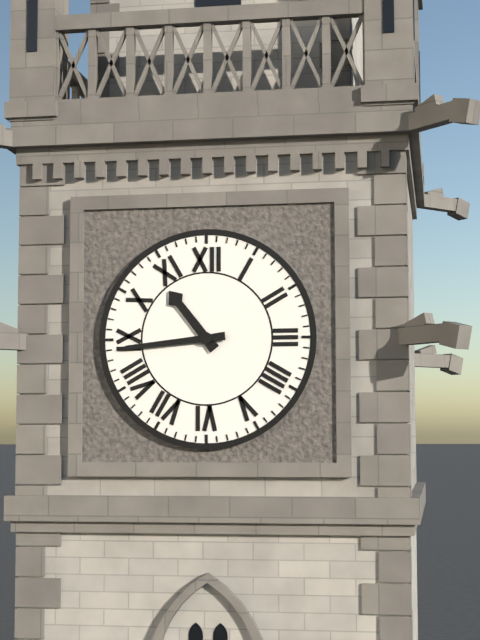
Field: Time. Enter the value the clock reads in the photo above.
10:44
